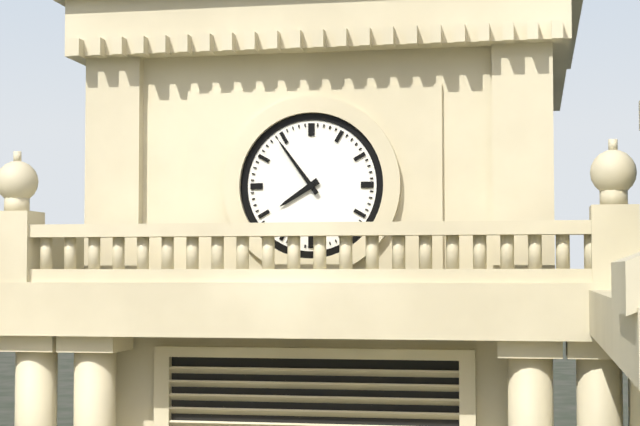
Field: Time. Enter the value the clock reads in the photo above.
7:54
